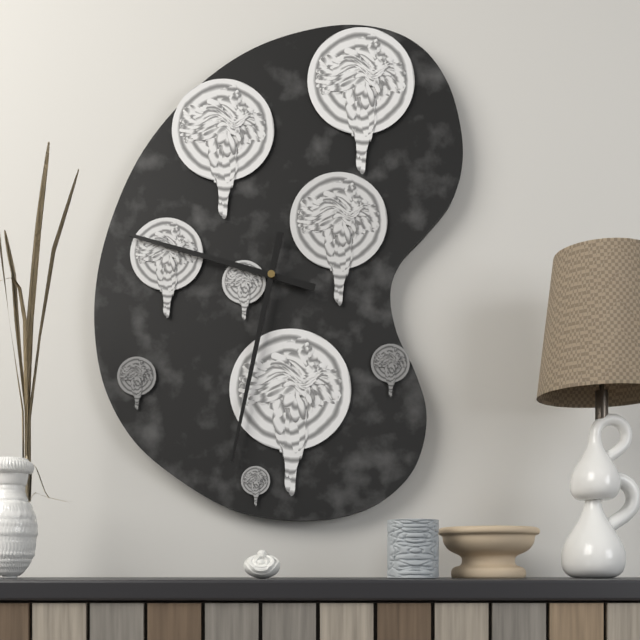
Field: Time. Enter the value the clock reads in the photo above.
9:32
